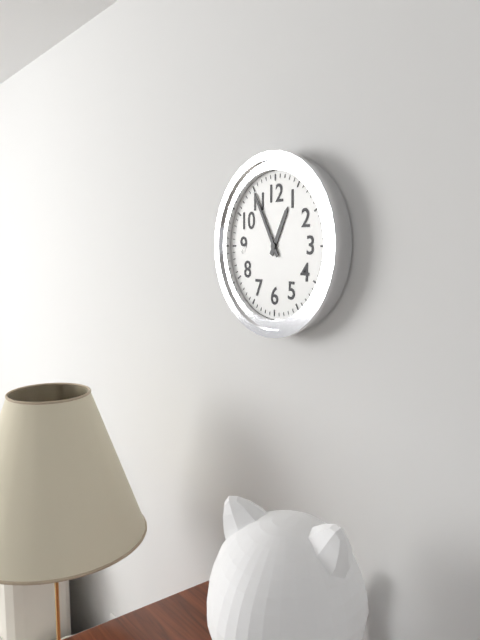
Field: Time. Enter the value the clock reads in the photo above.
12:55
